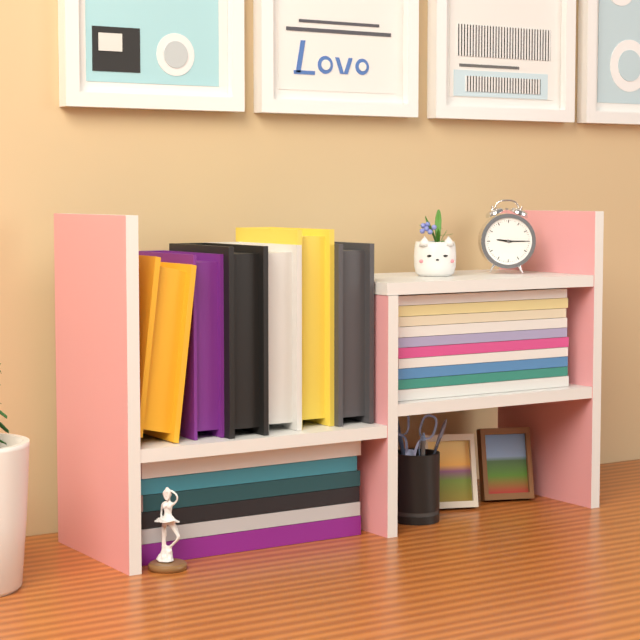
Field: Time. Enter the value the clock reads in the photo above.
9:15
